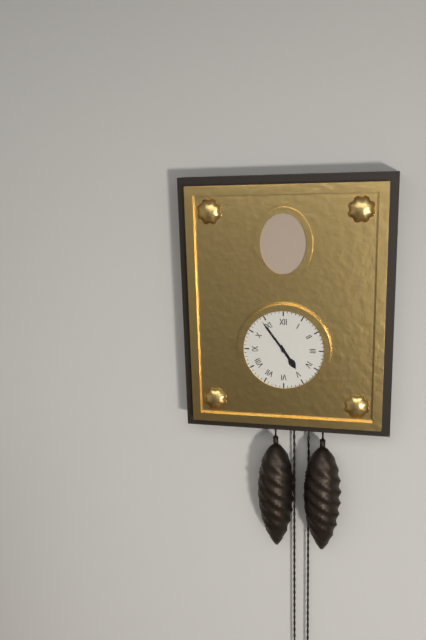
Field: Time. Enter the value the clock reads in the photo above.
4:54
